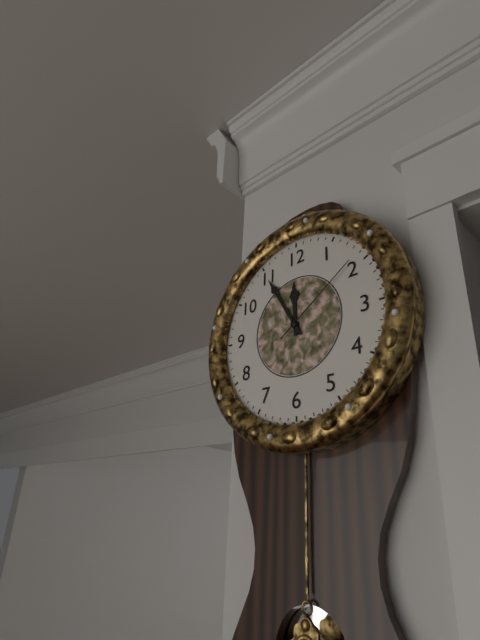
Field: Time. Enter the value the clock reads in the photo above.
11:55:09
